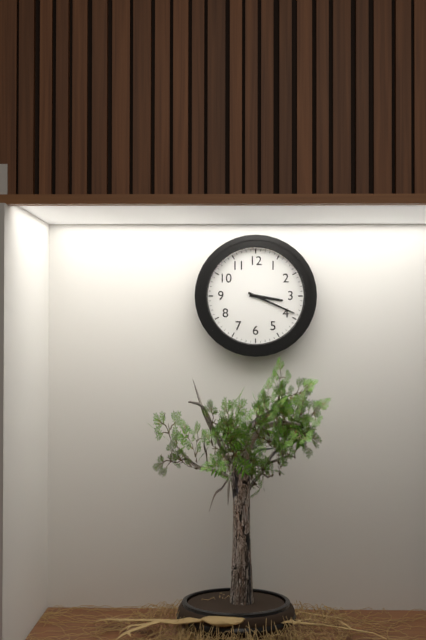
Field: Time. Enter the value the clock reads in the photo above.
3:19
